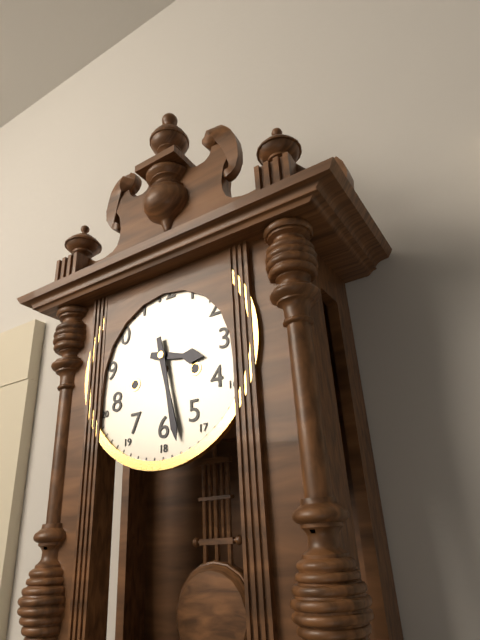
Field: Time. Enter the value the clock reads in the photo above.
3:28
